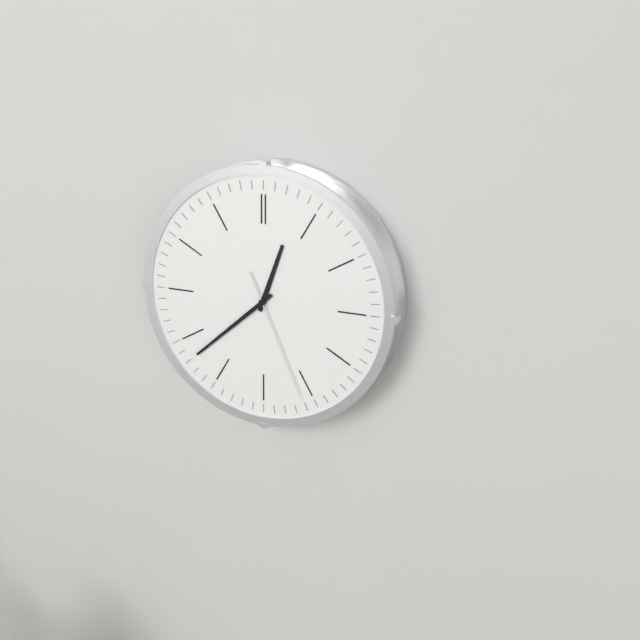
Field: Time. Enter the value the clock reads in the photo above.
12:38:26
